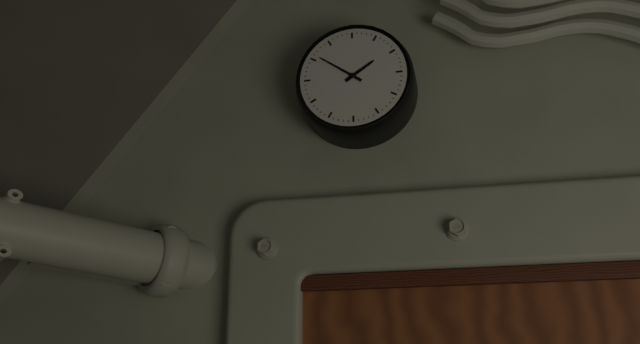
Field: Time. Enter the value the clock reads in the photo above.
1:51
